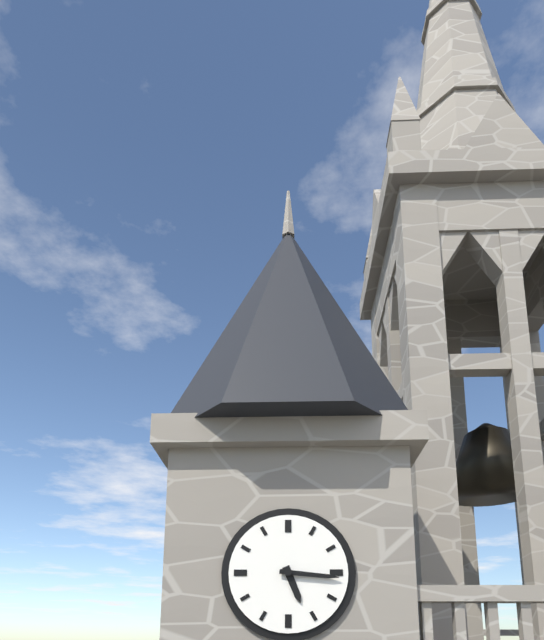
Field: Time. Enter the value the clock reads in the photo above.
5:16
